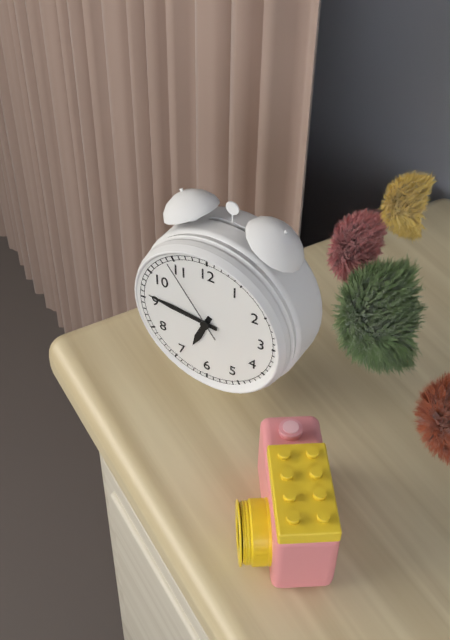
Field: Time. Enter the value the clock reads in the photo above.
6:46:54
